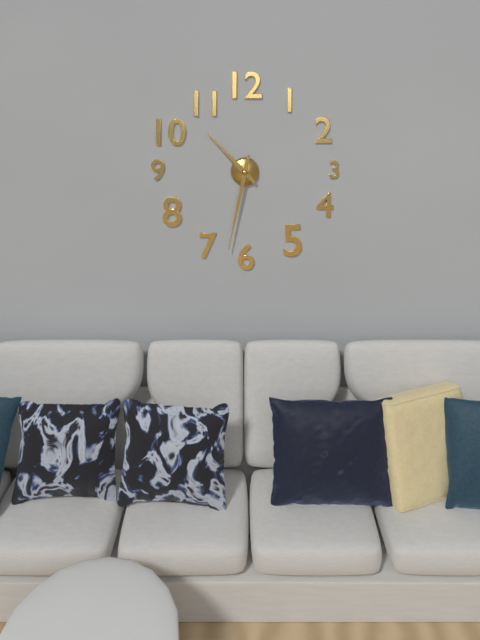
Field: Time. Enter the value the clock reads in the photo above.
10:32
